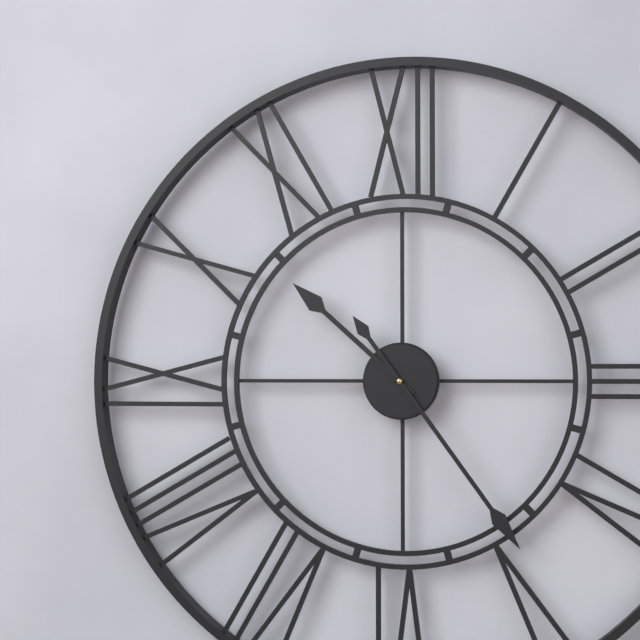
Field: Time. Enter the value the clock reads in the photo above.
10:24
